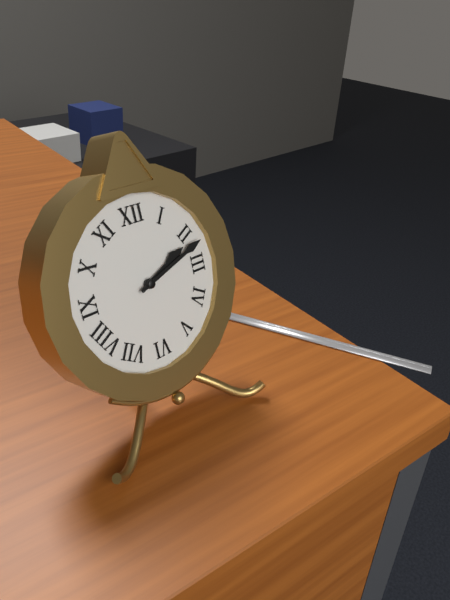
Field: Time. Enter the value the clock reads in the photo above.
2:12
